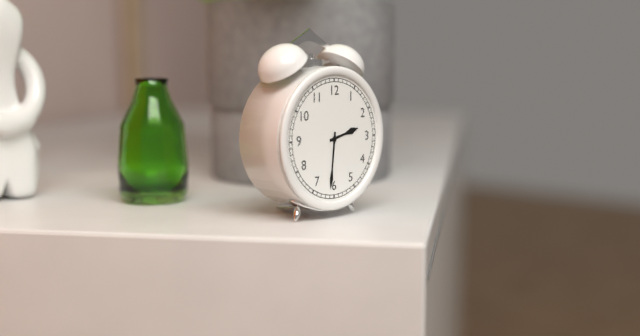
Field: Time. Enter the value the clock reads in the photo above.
2:31
